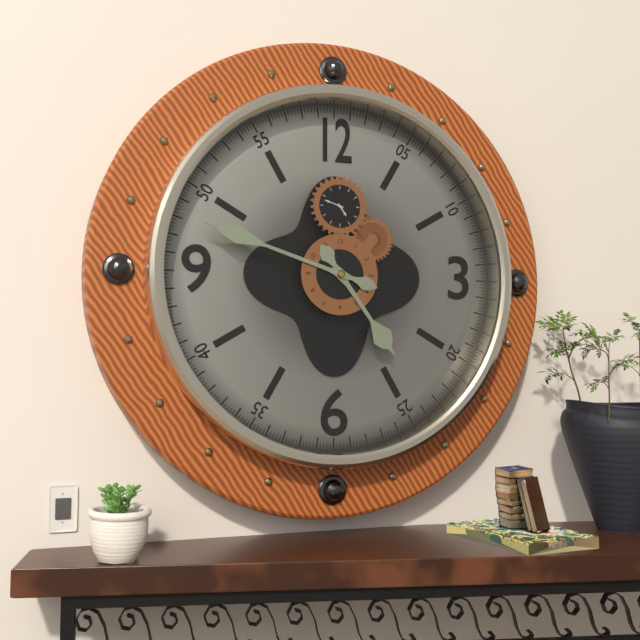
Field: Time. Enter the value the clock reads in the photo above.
4:48
